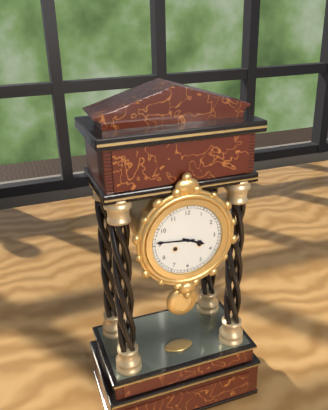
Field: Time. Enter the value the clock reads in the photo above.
3:46
